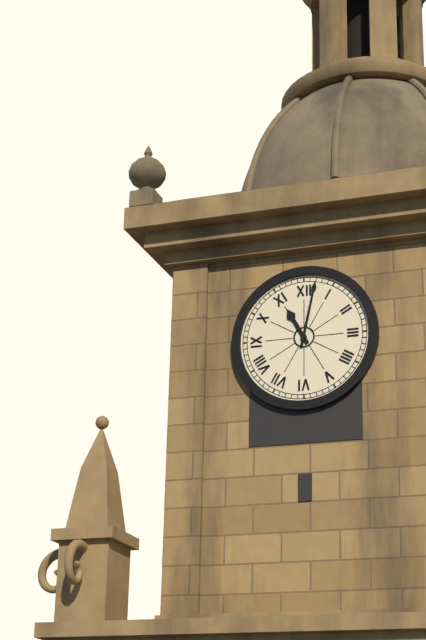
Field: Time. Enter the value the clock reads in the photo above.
11:02
